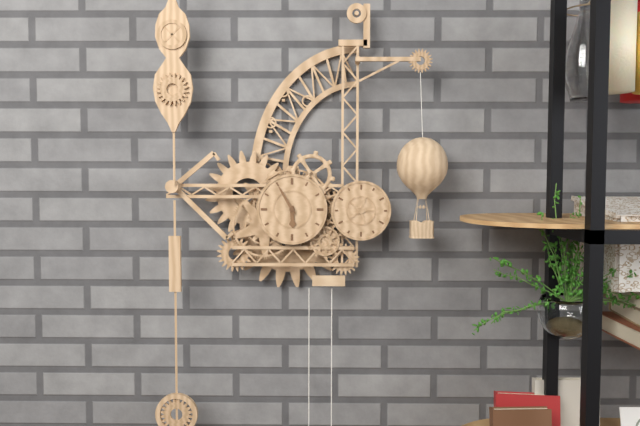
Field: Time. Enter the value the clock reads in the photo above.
5:55
